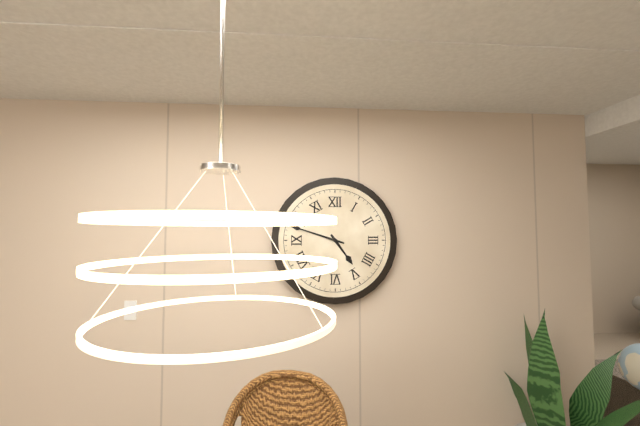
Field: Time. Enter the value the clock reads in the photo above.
4:48
